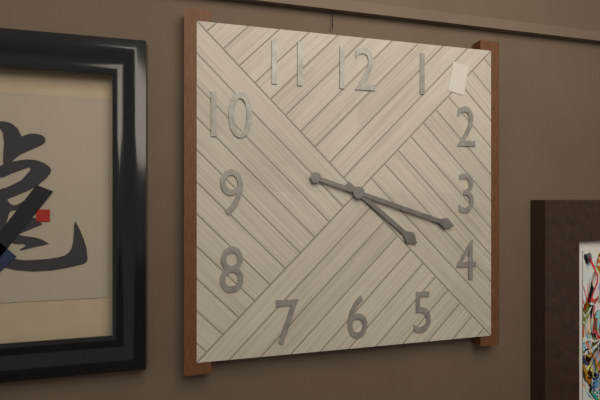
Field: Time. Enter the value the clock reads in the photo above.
4:18
